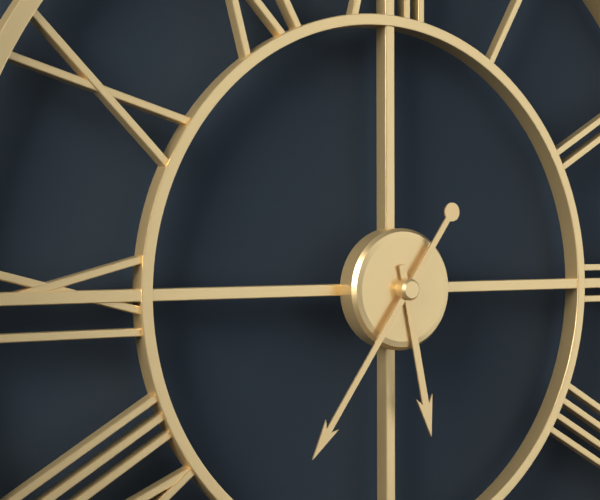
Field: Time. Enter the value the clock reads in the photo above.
5:36
